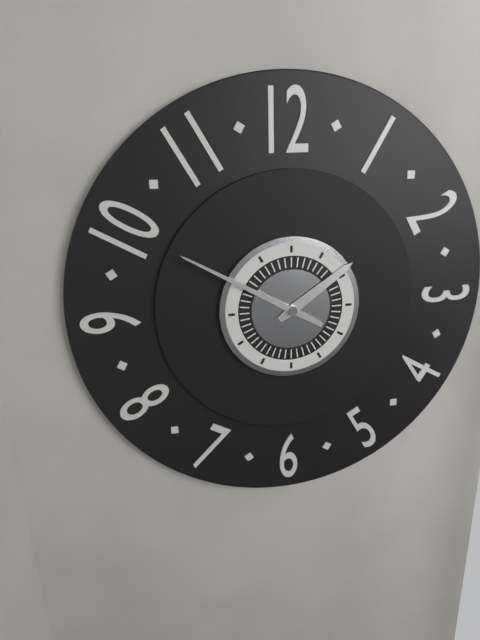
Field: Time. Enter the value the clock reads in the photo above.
1:50
